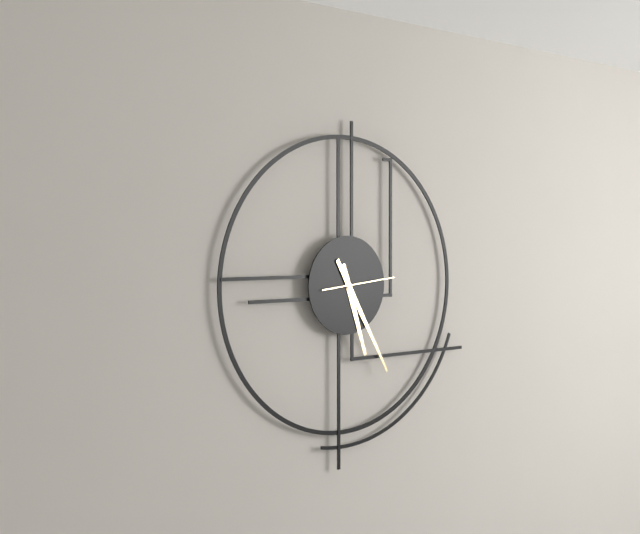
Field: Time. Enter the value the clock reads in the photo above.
5:25:14
